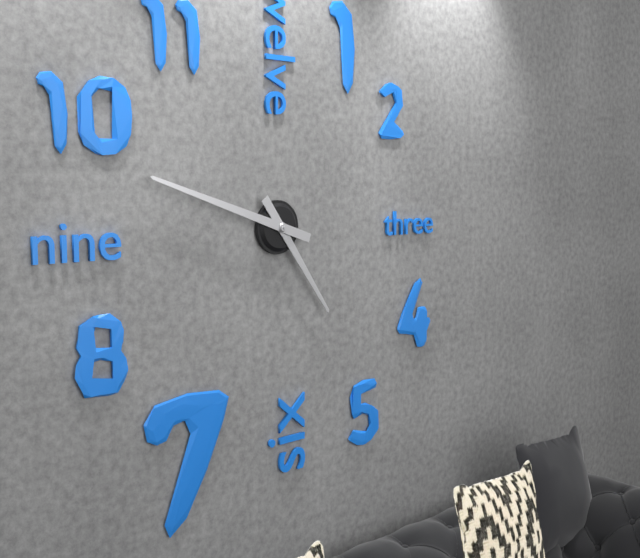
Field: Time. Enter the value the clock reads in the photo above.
4:48
